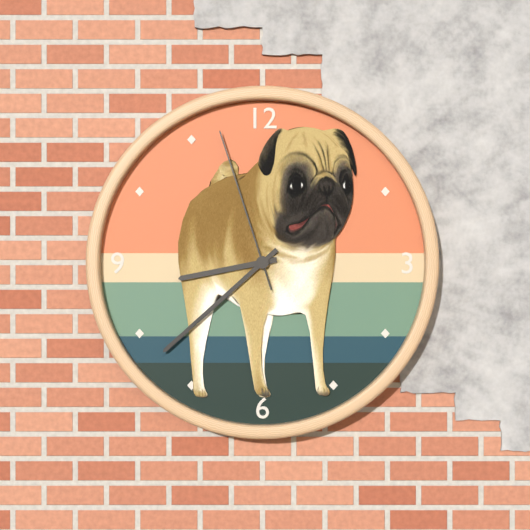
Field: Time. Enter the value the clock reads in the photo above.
8:38:57
